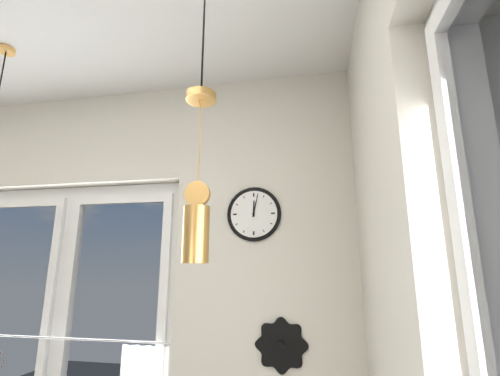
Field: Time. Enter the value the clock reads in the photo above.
12:02
